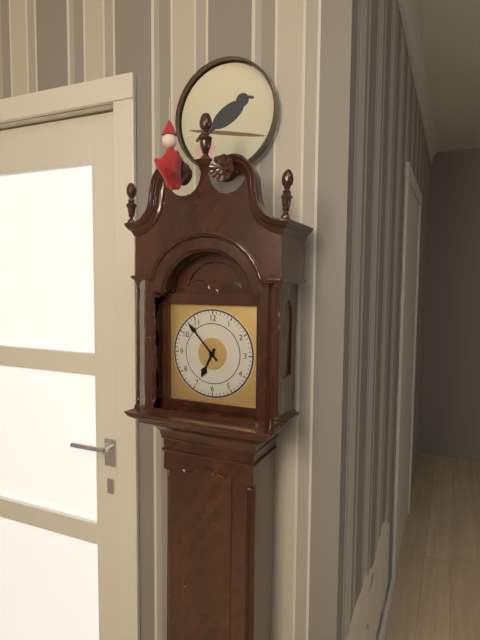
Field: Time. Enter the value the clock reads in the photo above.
6:53
